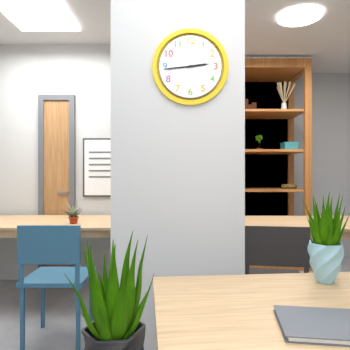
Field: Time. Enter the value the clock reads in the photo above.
2:44
